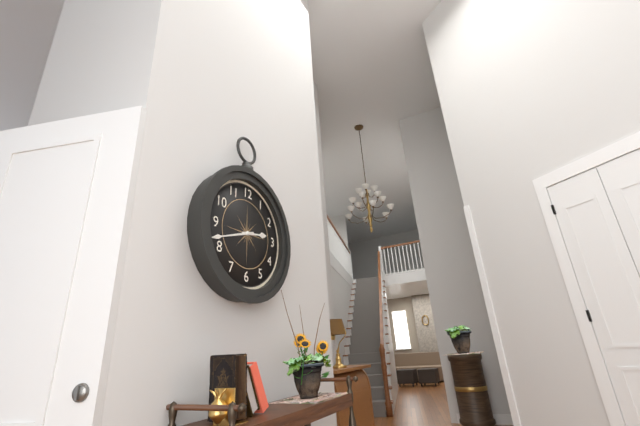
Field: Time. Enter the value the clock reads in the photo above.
2:42
